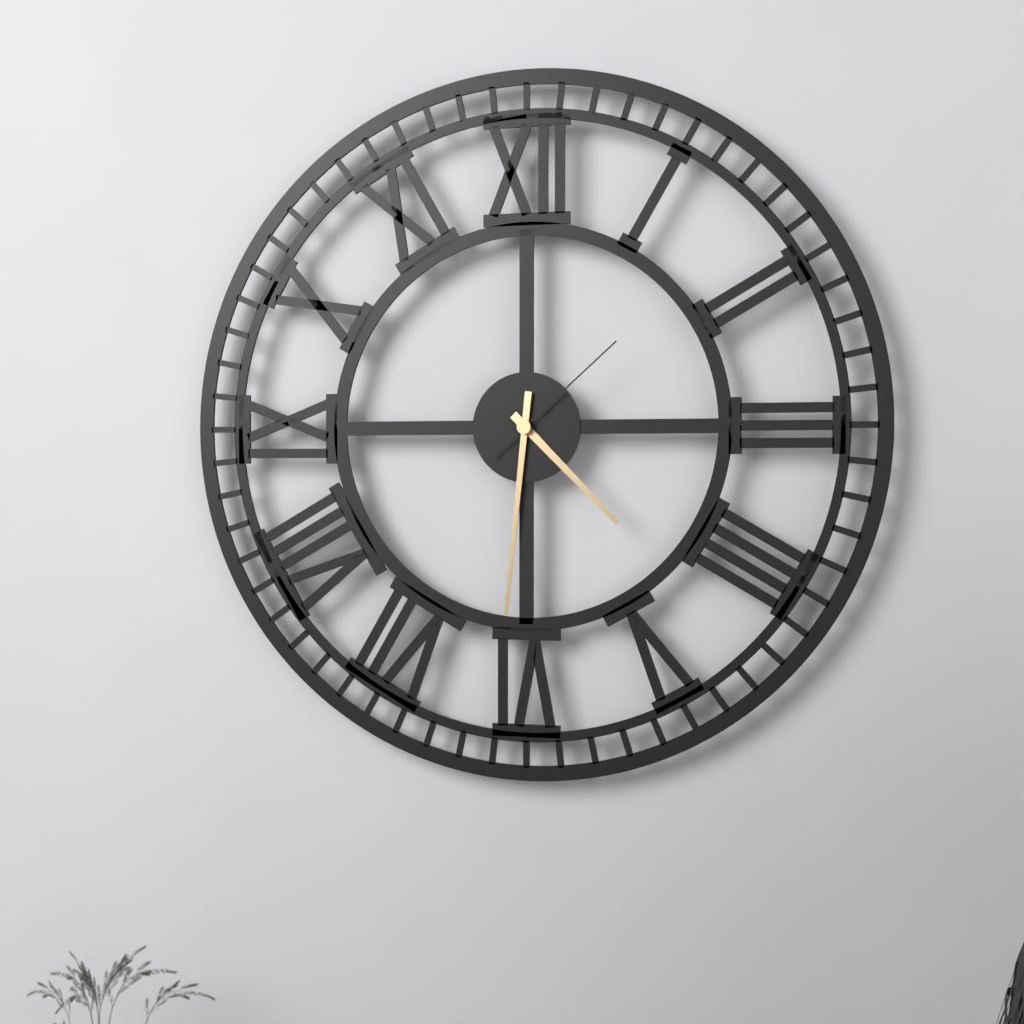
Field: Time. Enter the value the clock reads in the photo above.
4:31:08
